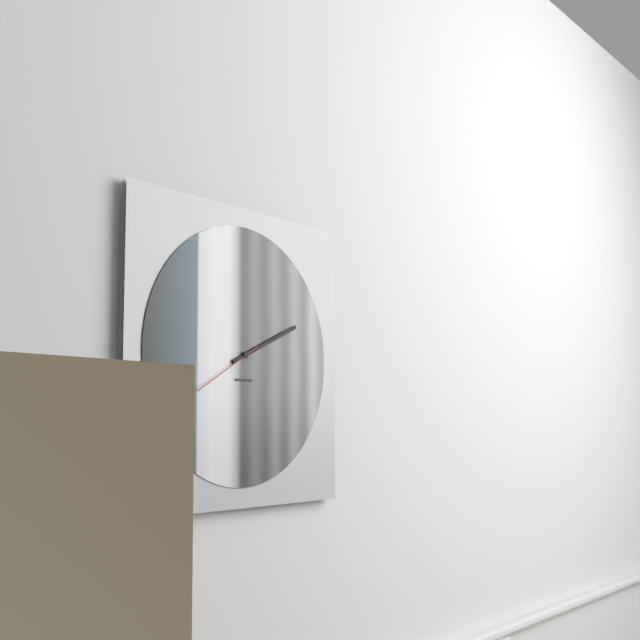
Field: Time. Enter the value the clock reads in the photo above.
2:11:40
